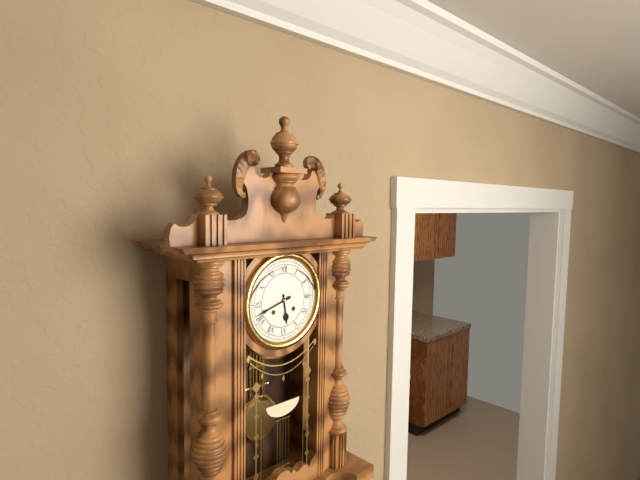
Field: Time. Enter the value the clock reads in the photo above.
5:42
